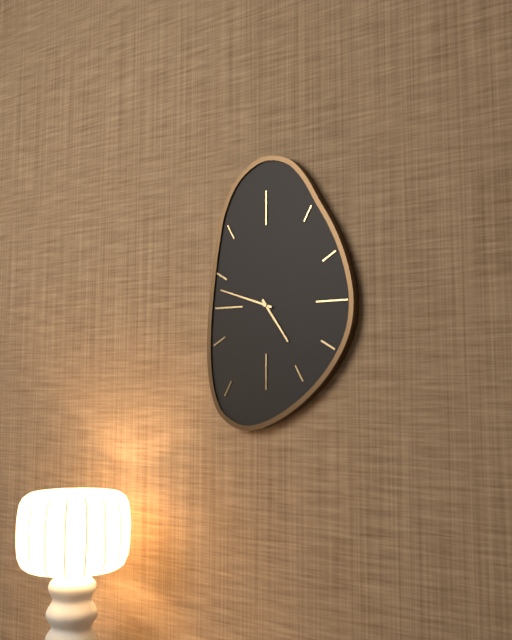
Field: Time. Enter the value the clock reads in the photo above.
4:48
